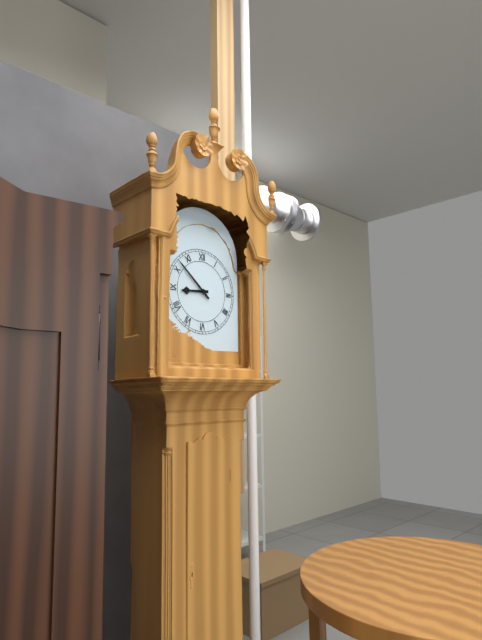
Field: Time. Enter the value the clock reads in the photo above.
8:52
